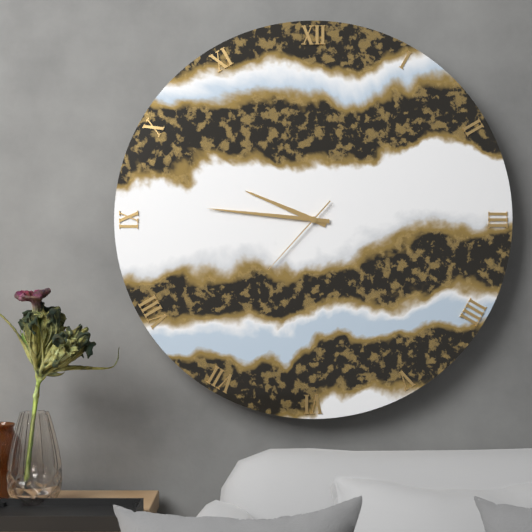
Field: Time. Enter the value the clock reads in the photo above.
9:46:37
